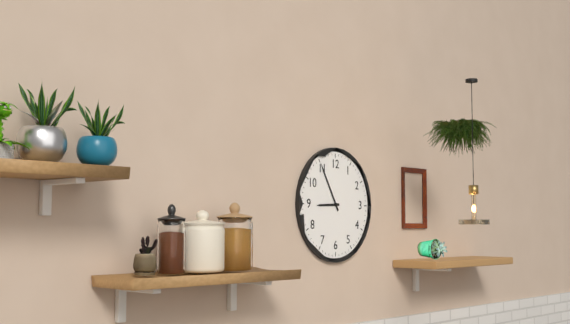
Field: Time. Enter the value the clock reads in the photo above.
8:55
